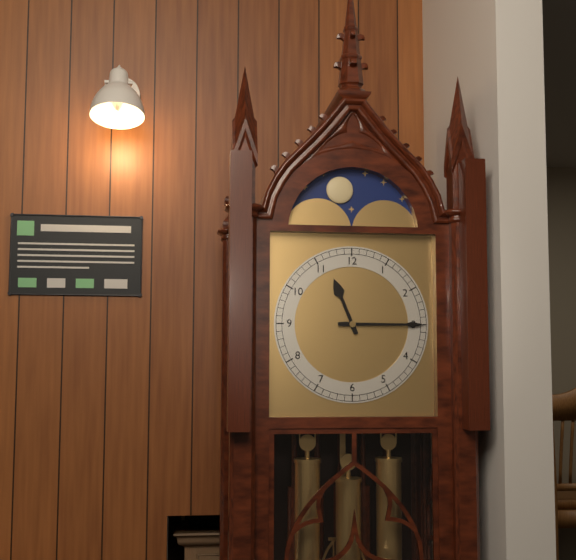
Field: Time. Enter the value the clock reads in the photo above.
11:15
